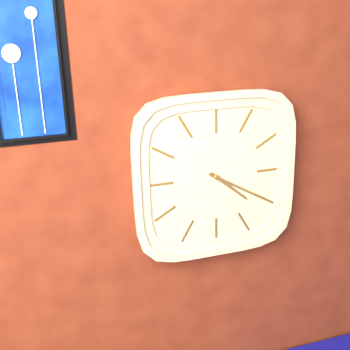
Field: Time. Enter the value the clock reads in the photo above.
4:20
